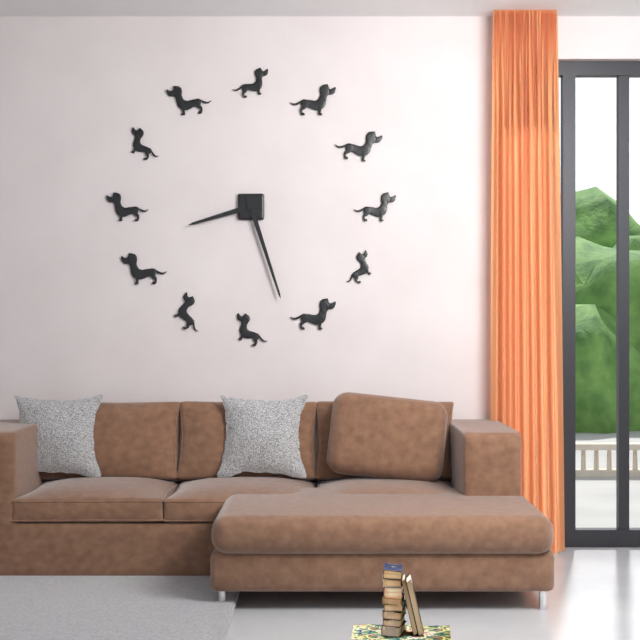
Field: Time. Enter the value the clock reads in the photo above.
8:27
